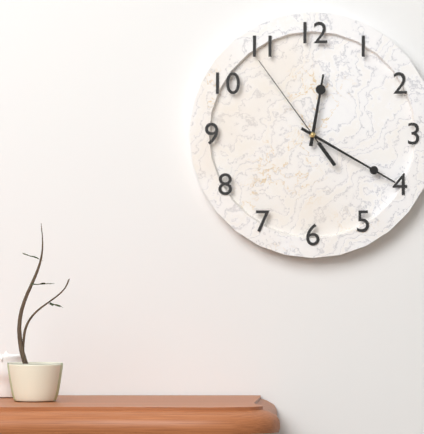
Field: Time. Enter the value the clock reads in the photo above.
12:20:54
